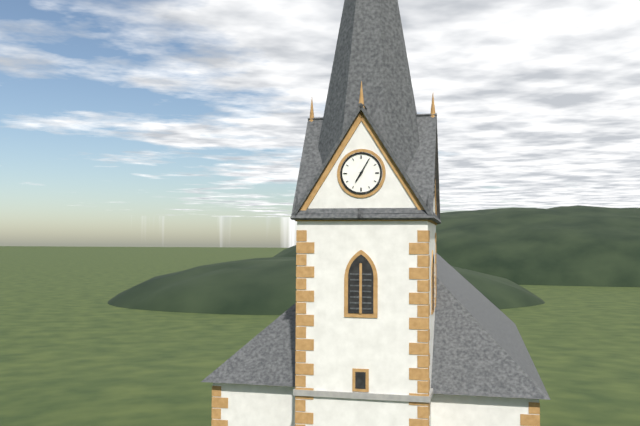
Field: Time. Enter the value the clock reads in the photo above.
7:05
